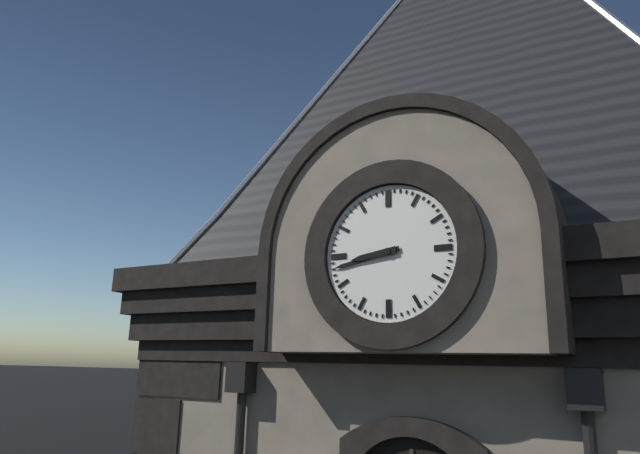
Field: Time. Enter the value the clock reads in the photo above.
8:43
